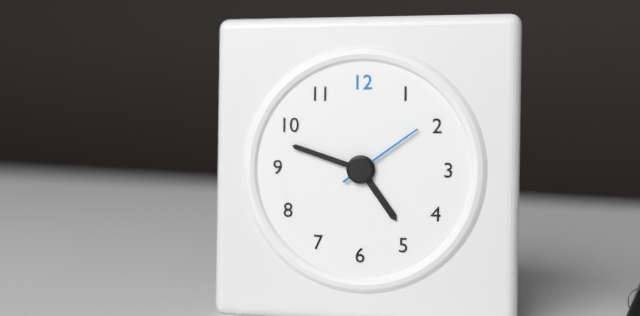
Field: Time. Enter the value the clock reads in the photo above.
4:48:09
